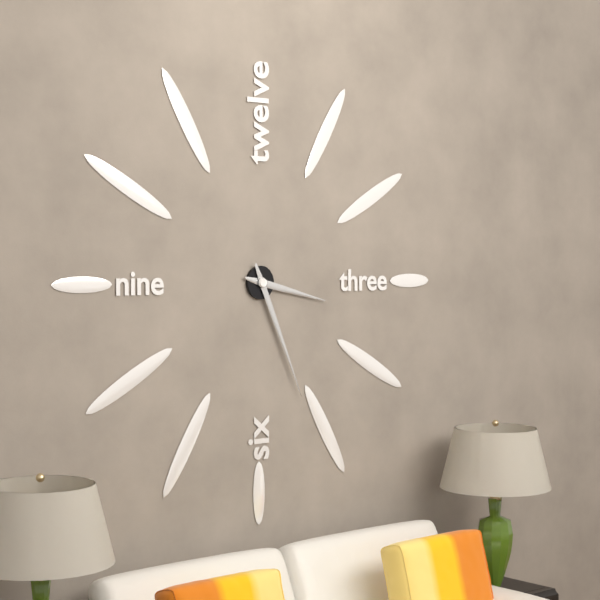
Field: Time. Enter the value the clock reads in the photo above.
3:26
